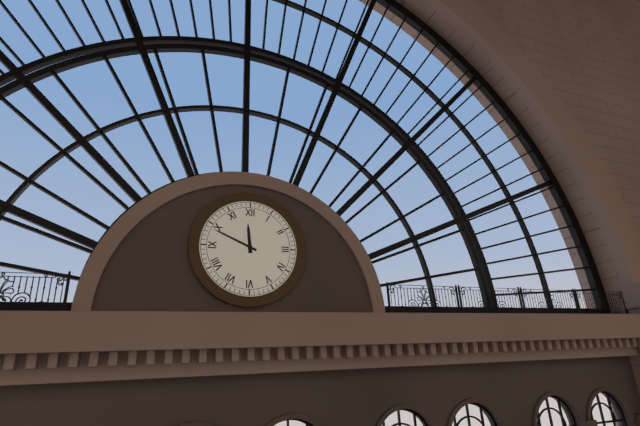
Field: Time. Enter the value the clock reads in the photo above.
11:49
